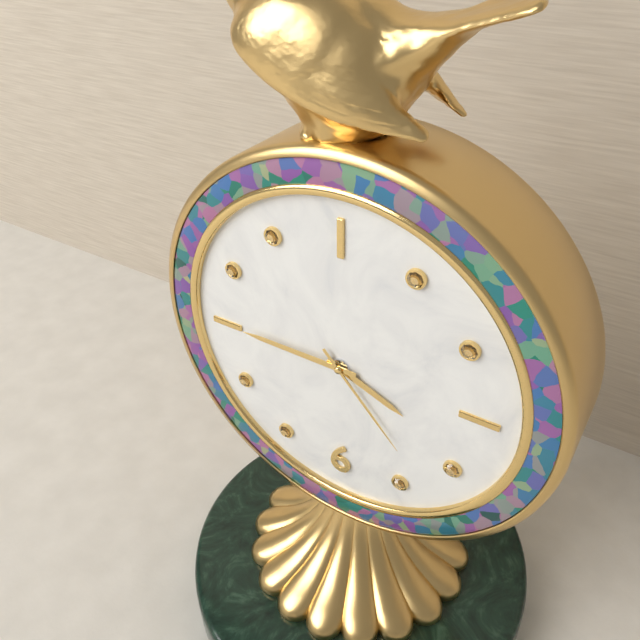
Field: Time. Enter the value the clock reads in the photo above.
3:45:23
